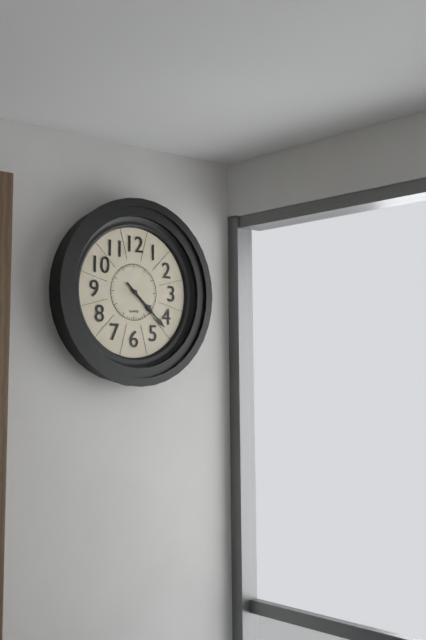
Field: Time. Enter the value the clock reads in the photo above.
4:22
